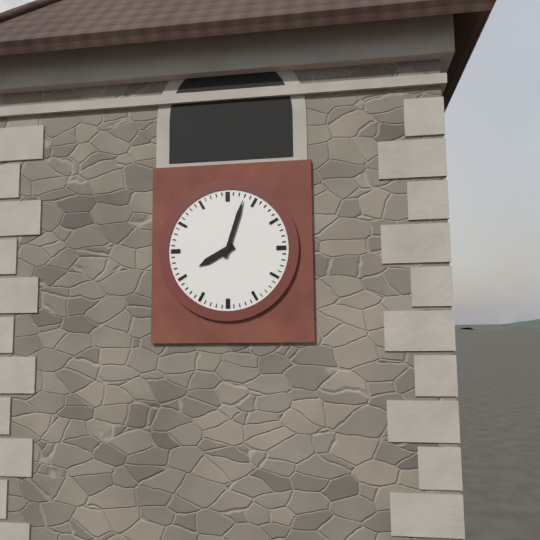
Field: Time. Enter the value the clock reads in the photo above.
8:03
